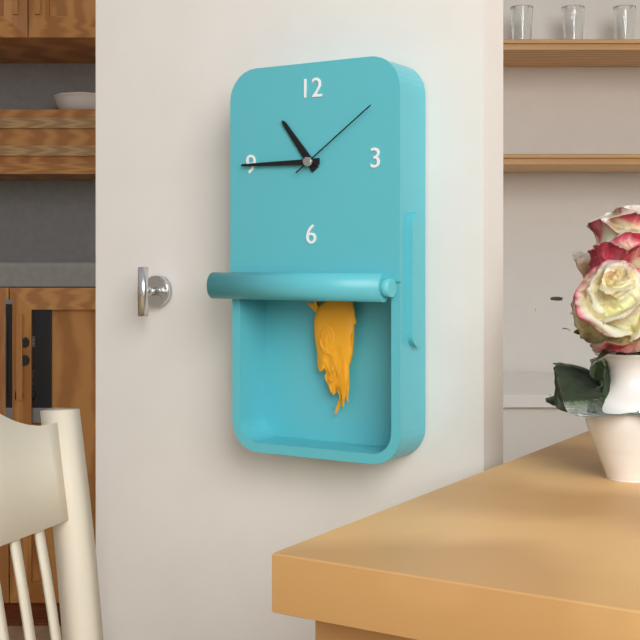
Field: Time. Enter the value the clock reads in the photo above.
10:45:09
